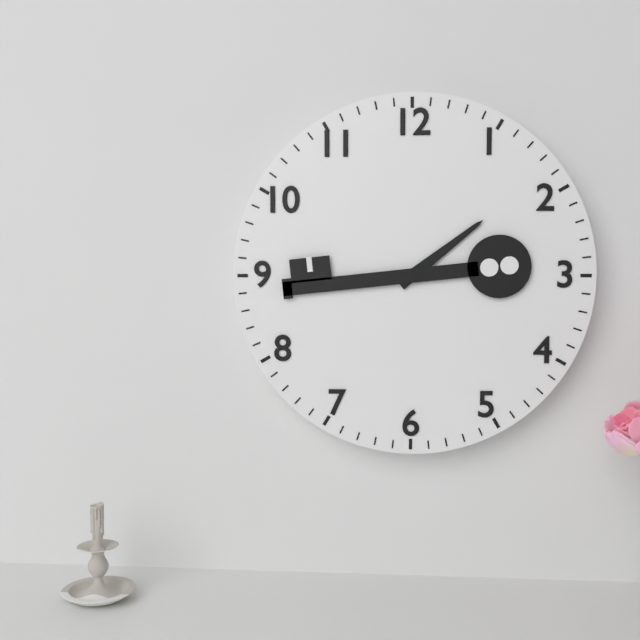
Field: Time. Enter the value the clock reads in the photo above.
1:44
